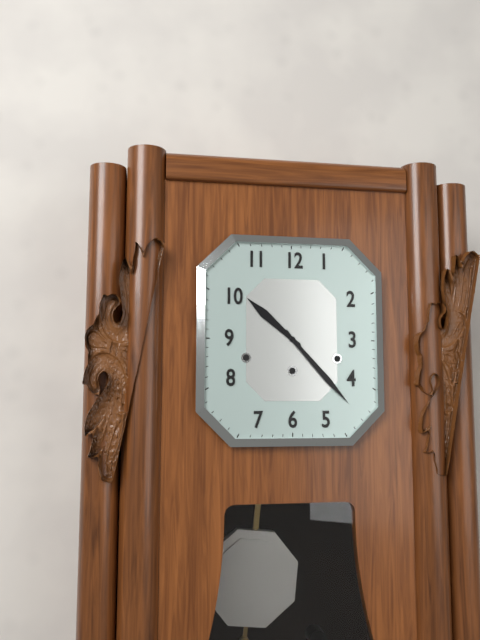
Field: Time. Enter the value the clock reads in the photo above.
10:23
